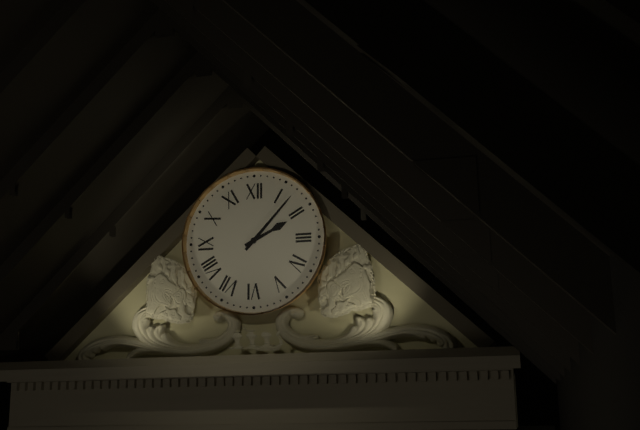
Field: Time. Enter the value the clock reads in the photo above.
2:07
